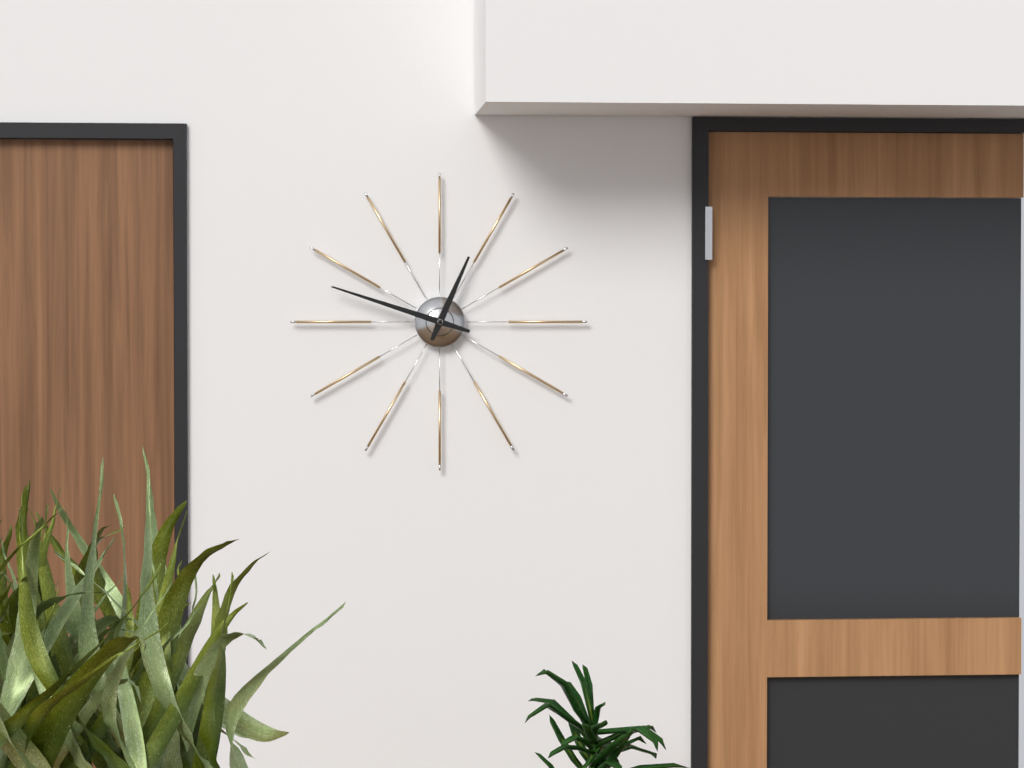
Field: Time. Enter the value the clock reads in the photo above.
12:48
